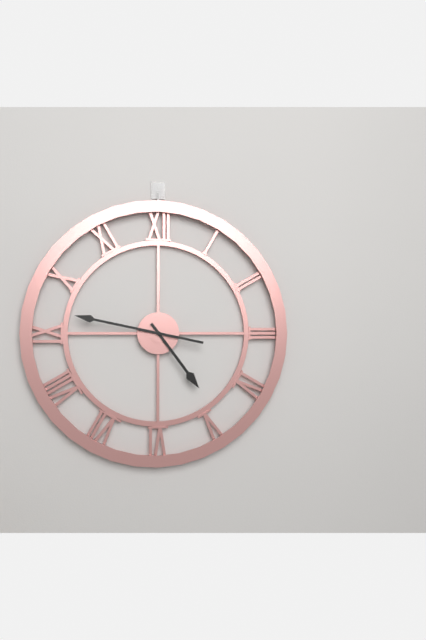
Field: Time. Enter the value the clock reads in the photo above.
4:47
